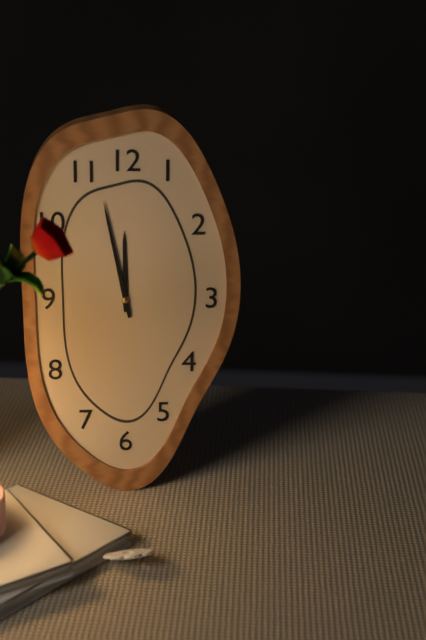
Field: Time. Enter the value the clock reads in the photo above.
11:58
